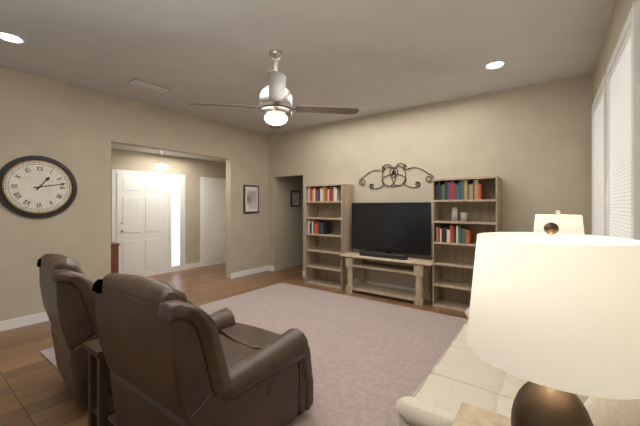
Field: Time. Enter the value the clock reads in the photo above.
1:13
